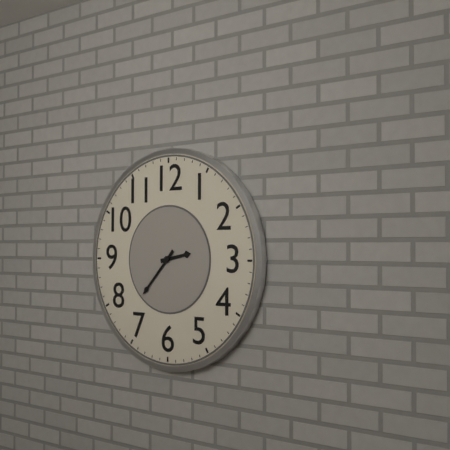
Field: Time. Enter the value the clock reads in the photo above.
2:37
